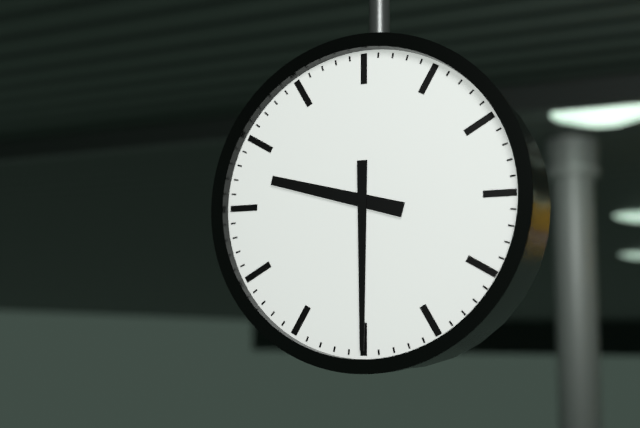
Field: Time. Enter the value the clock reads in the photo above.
9:30
